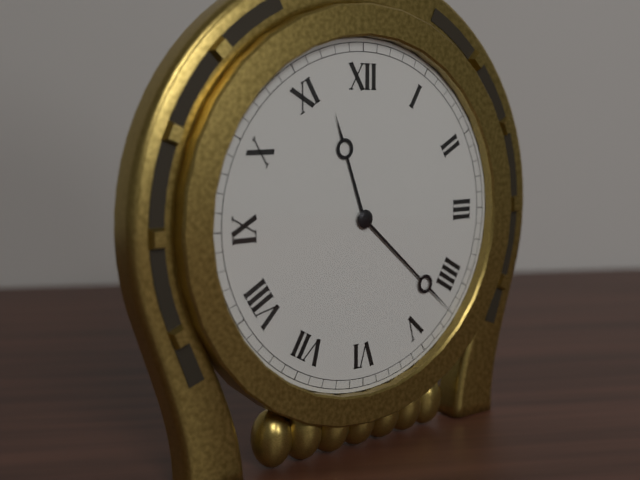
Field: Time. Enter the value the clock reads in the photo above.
11:22
